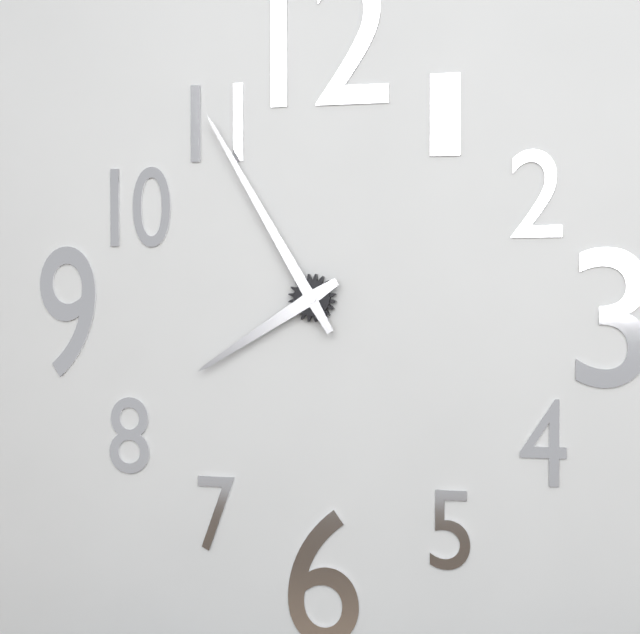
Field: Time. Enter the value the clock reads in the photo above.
7:55
